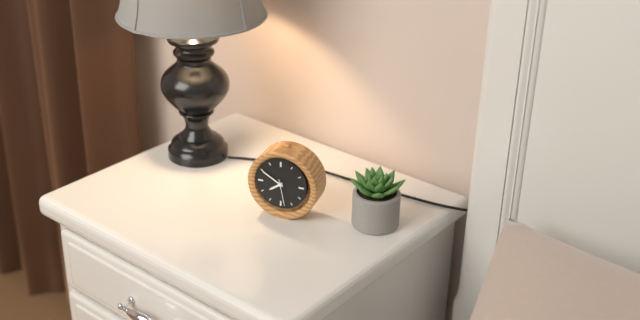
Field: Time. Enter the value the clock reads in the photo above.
7:50
